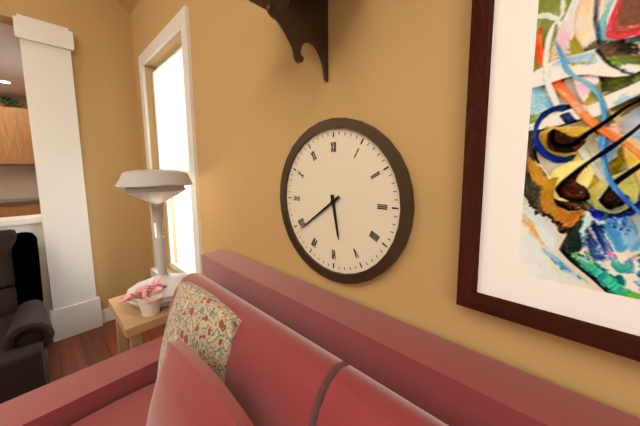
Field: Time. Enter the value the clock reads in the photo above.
5:39
